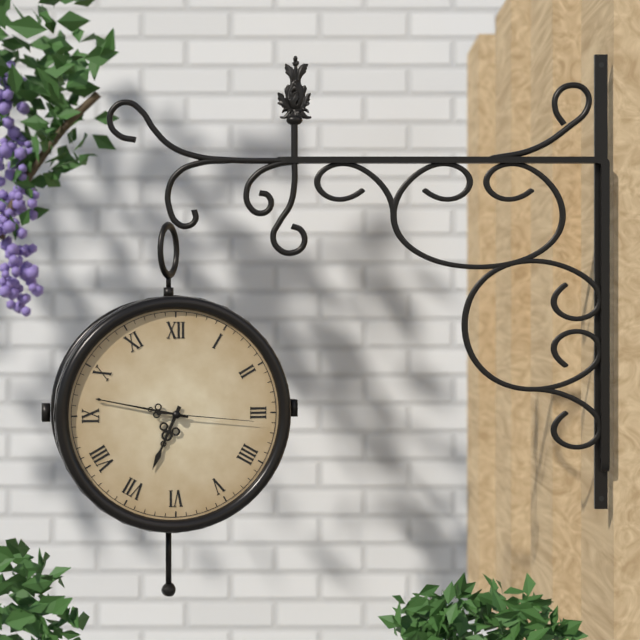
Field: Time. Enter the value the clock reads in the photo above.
6:47:16
